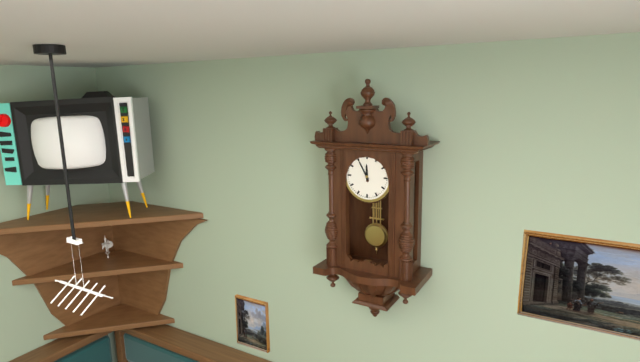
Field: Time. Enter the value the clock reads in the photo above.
11:55
